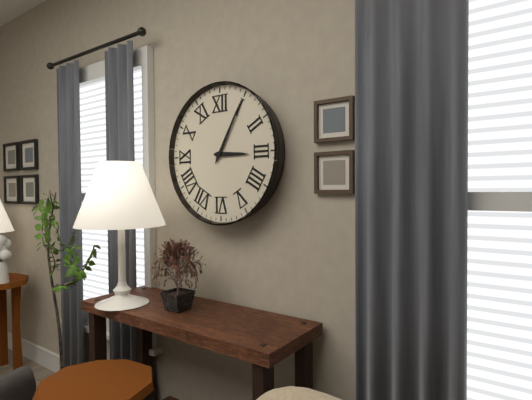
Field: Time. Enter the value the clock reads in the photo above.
3:05
